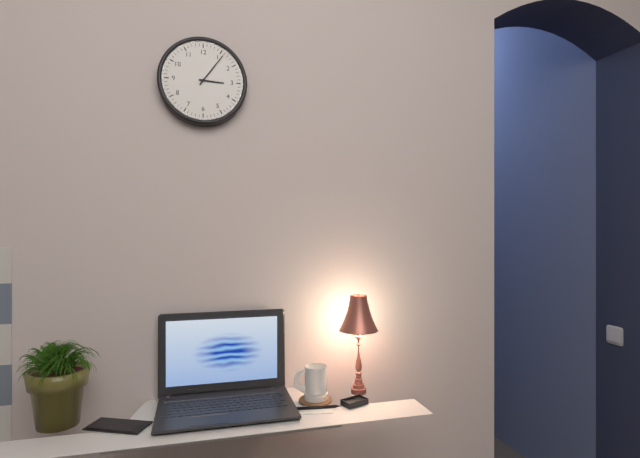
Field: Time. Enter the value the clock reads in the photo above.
3:06
